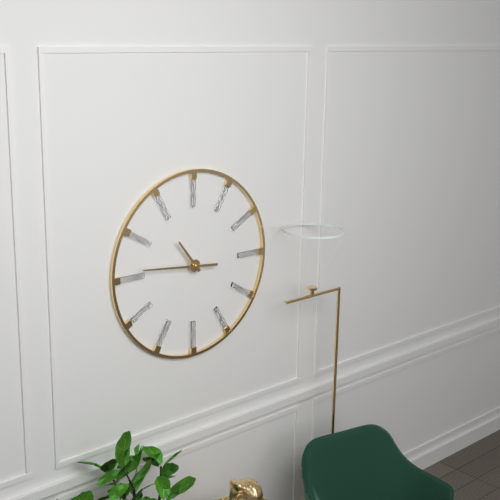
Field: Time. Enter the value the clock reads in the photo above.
10:46
